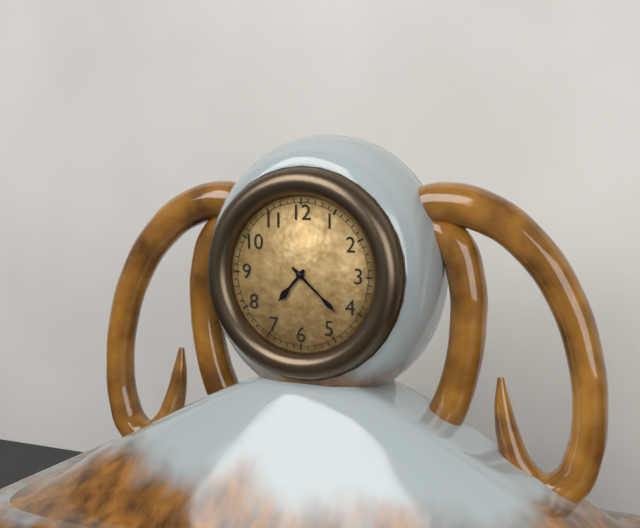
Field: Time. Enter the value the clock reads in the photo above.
7:22
